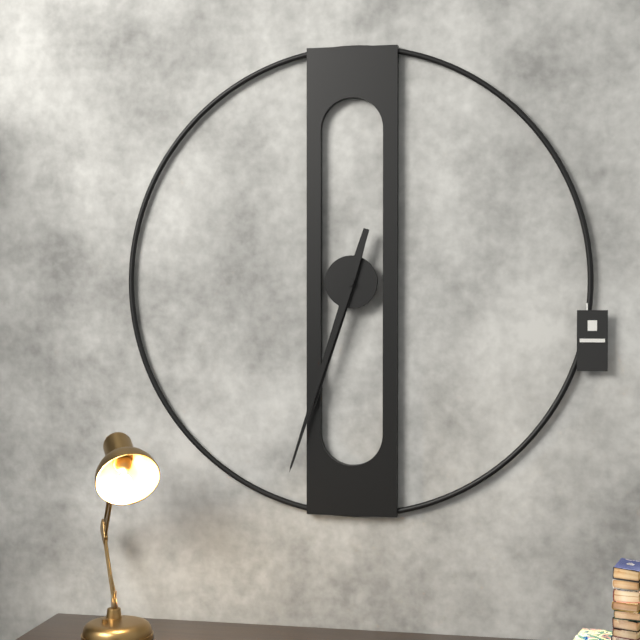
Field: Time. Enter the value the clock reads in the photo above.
6:33
